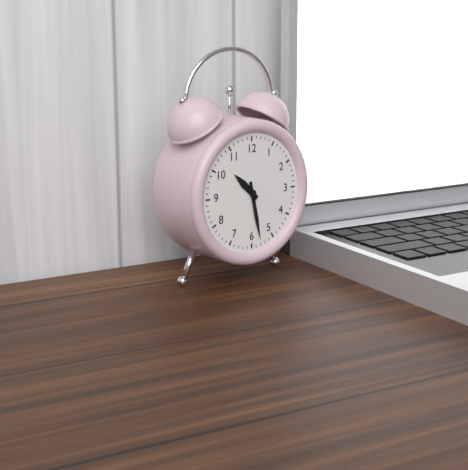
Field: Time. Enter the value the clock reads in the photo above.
10:28
